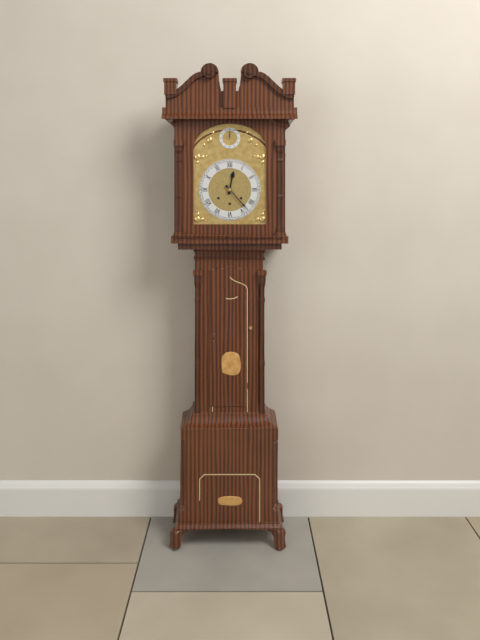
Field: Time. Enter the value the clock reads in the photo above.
12:23
